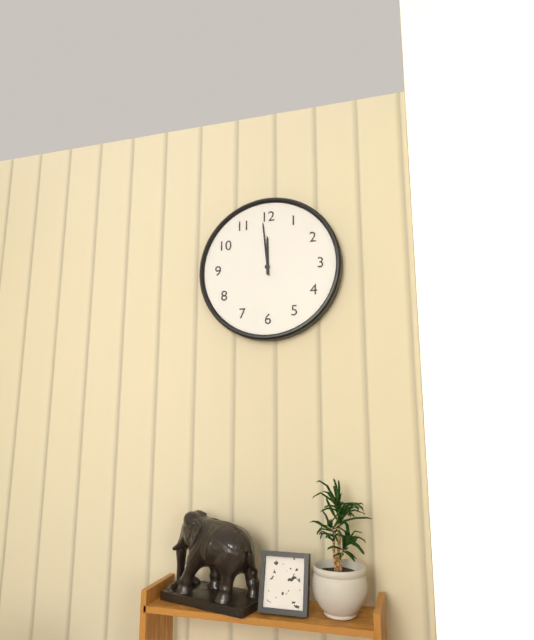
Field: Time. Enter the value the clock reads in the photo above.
11:59
